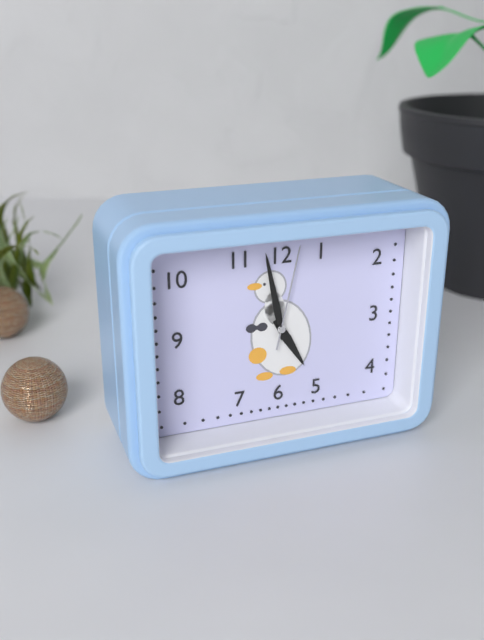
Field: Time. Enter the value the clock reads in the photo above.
4:58:02
